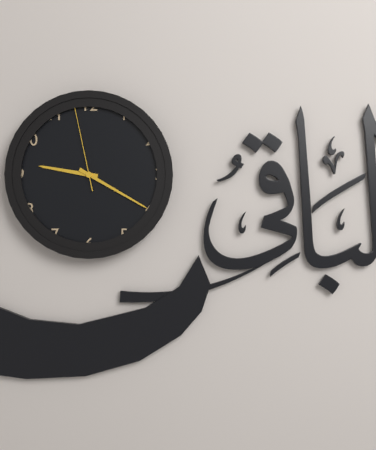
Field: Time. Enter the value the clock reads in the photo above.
9:20:58
